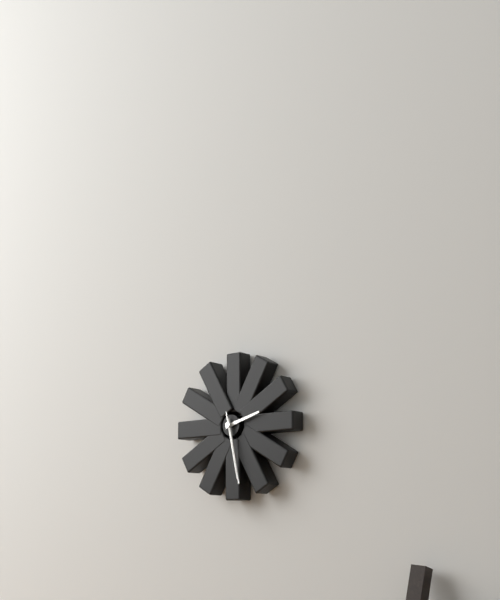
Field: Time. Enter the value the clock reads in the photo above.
2:28:28
